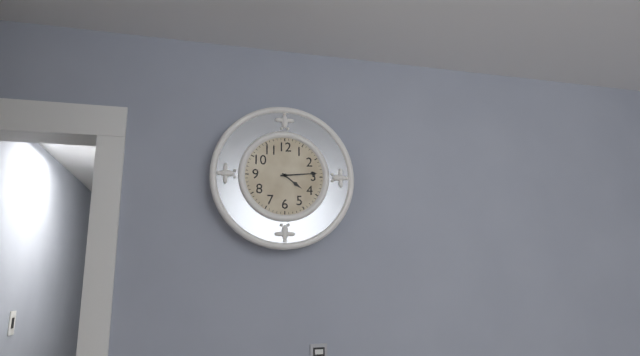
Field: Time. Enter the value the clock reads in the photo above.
4:14
